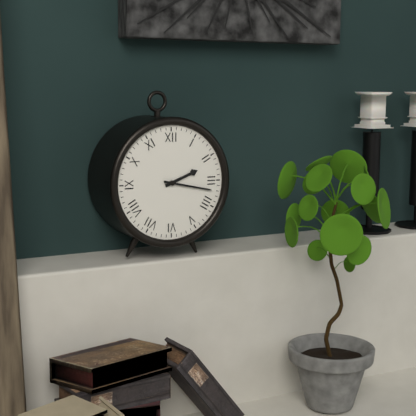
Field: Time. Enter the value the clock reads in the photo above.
2:17
